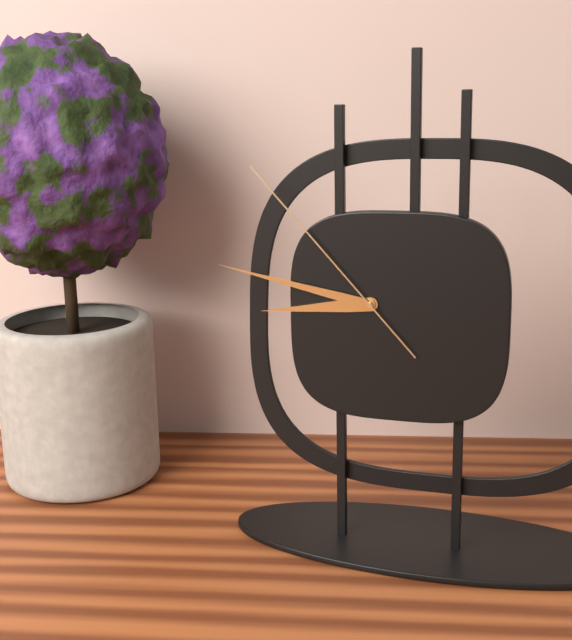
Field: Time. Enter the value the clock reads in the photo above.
8:47:53
